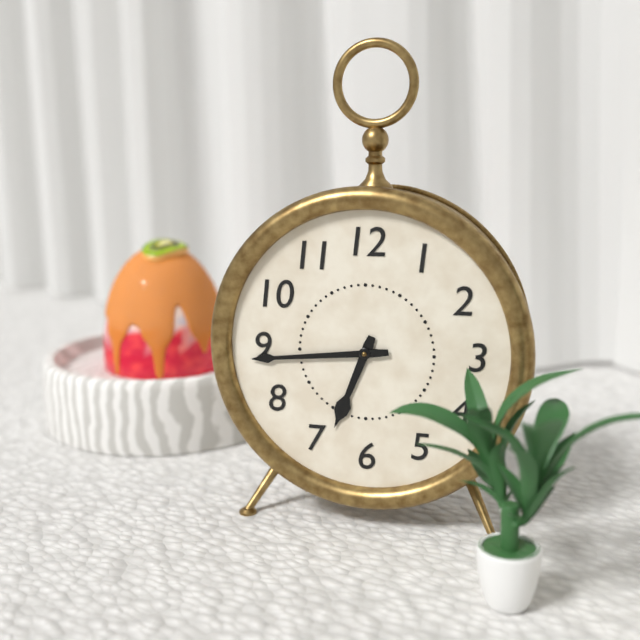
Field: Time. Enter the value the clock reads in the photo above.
6:44
